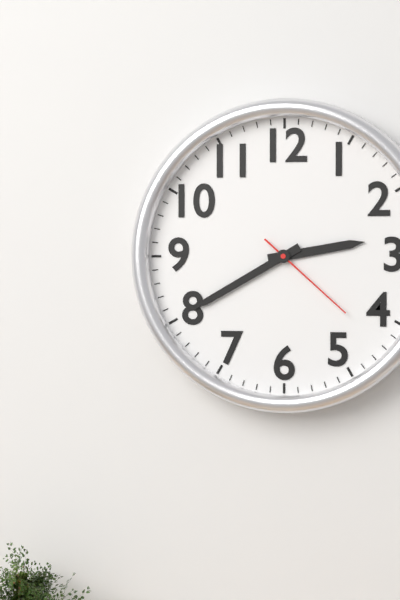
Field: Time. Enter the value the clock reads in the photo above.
2:40:22
